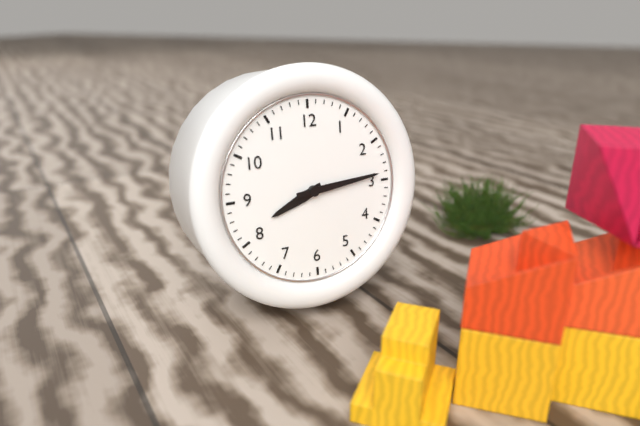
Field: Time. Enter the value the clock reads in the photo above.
8:14
